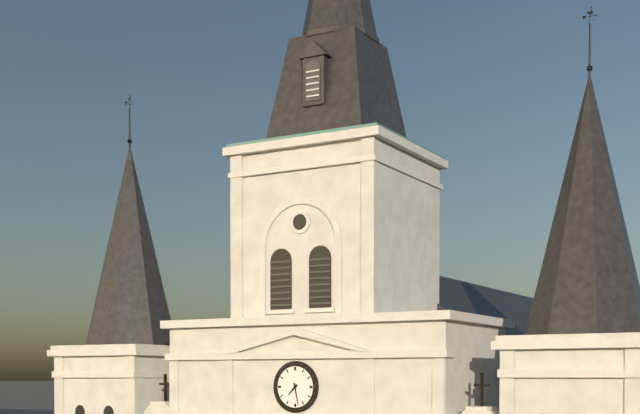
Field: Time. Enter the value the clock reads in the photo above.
7:28
